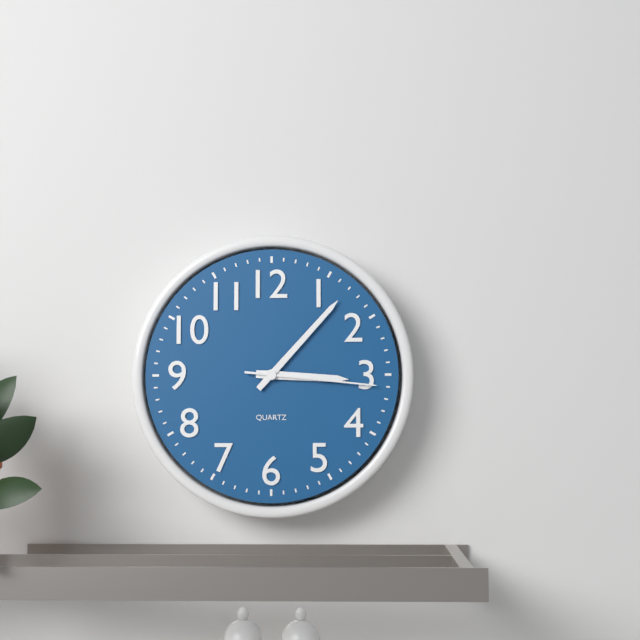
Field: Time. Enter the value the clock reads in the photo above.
3:07:16
